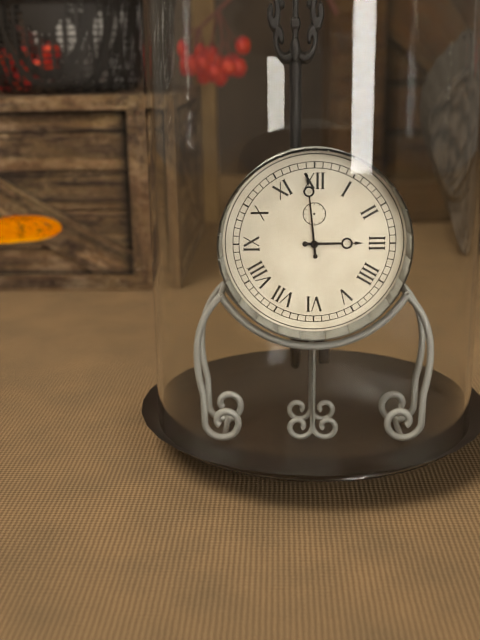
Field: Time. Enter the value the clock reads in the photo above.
2:59
